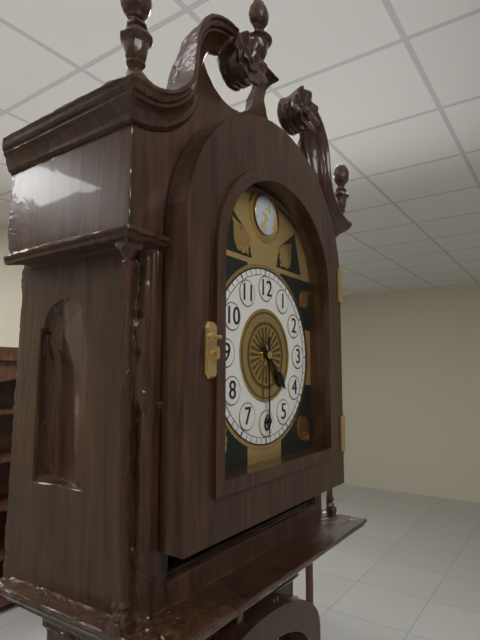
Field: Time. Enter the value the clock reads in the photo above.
4:30
